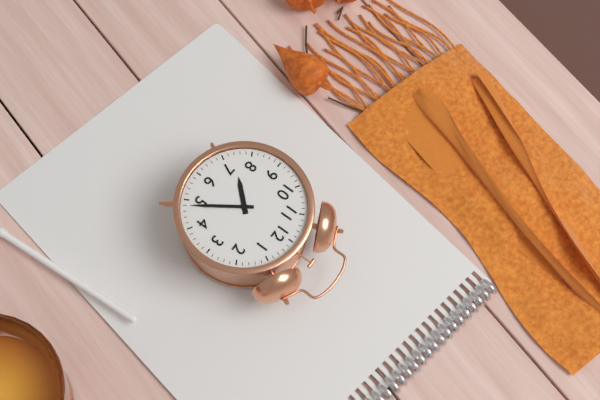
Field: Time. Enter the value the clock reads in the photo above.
7:24
